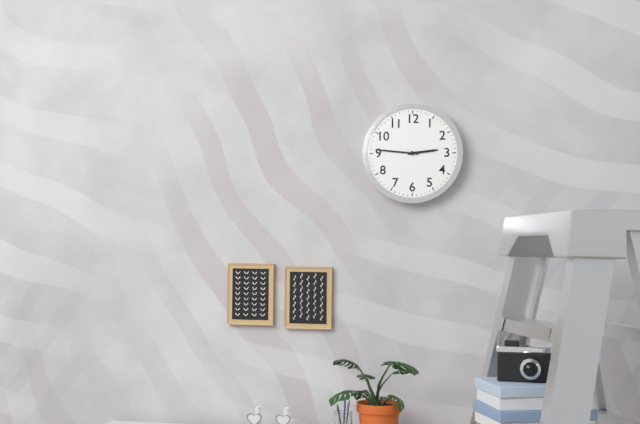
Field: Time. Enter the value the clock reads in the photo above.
2:46
